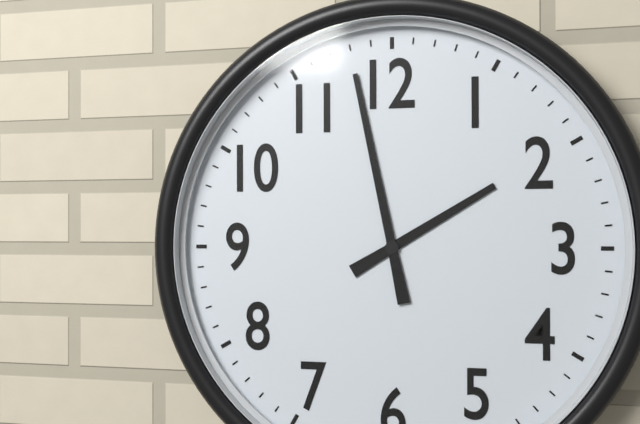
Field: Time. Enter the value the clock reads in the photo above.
1:58
